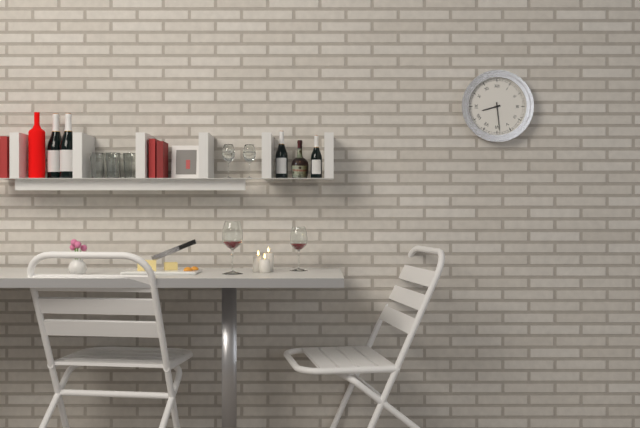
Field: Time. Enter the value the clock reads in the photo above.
8:29
